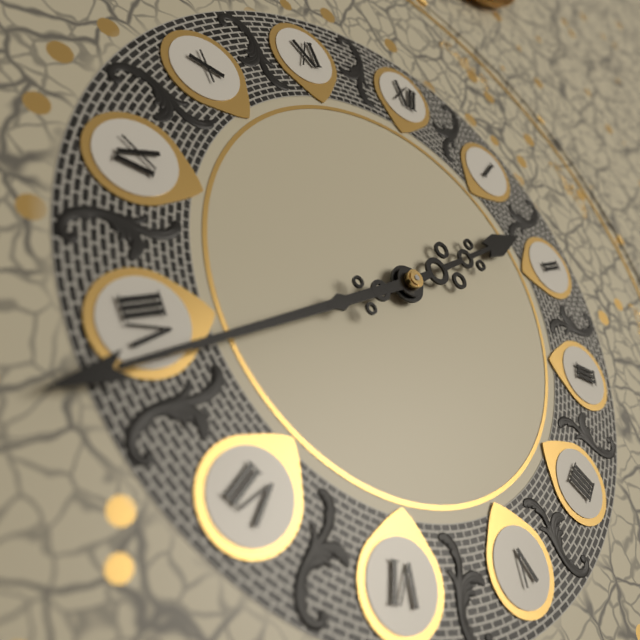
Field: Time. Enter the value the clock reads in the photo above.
1:39
